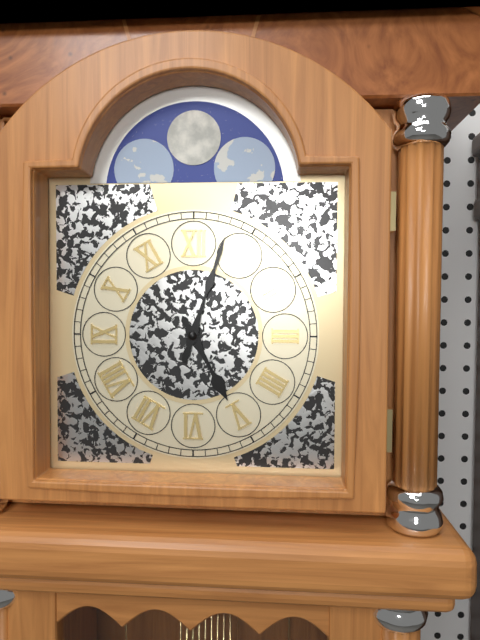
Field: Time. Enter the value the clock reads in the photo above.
5:03
